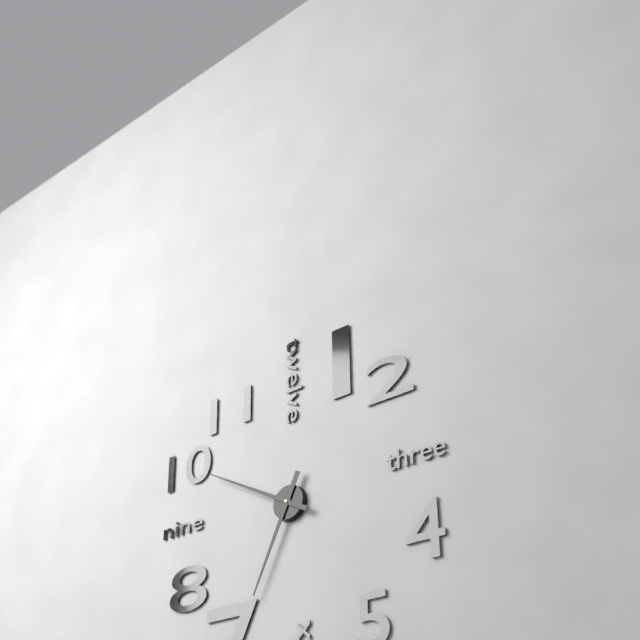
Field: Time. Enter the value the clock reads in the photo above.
6:50
